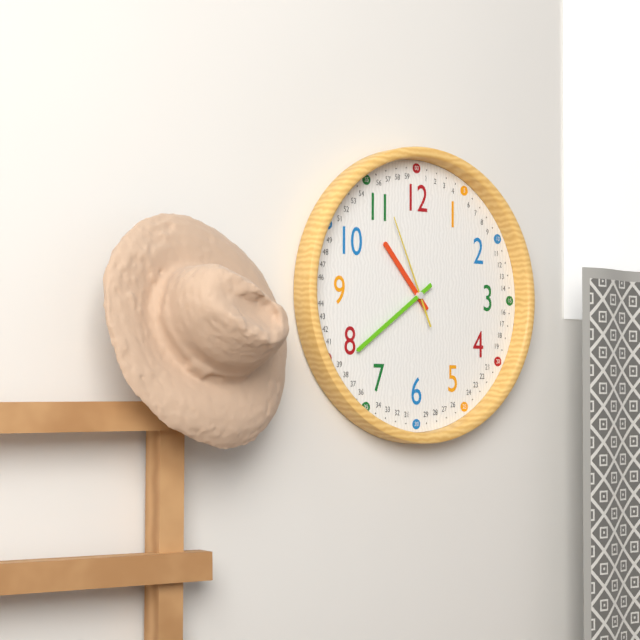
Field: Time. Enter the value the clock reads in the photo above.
10:39:56
